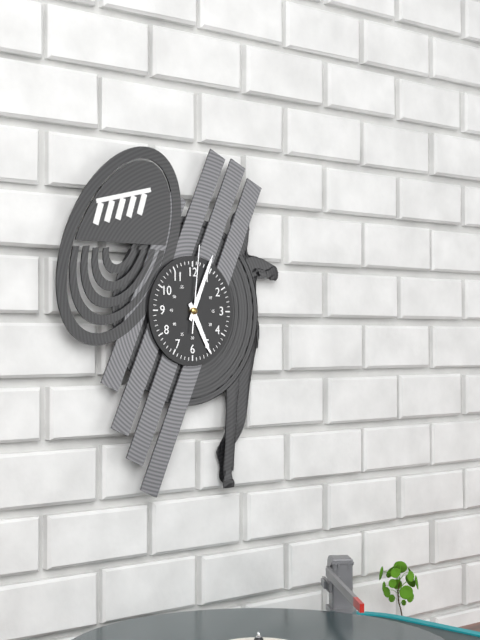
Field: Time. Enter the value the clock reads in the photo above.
5:04:01
